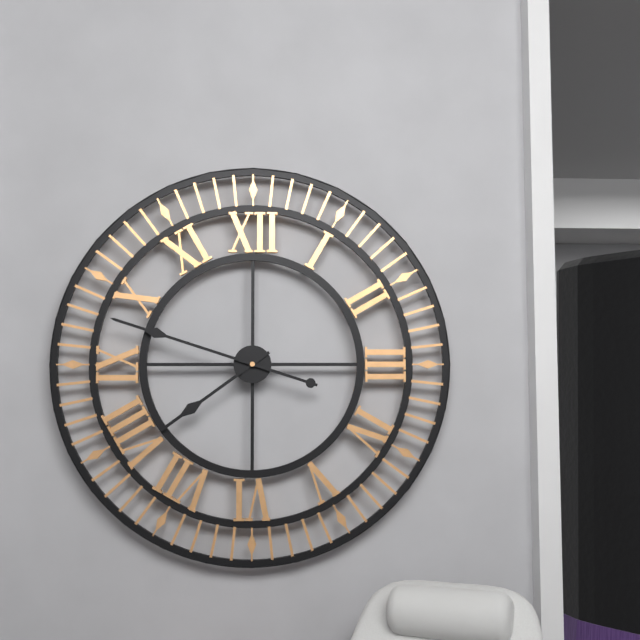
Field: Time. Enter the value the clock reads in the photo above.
7:48
